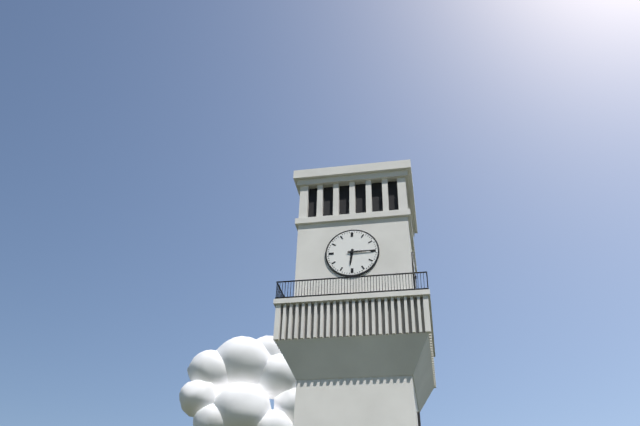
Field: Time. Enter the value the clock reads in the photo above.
6:15
